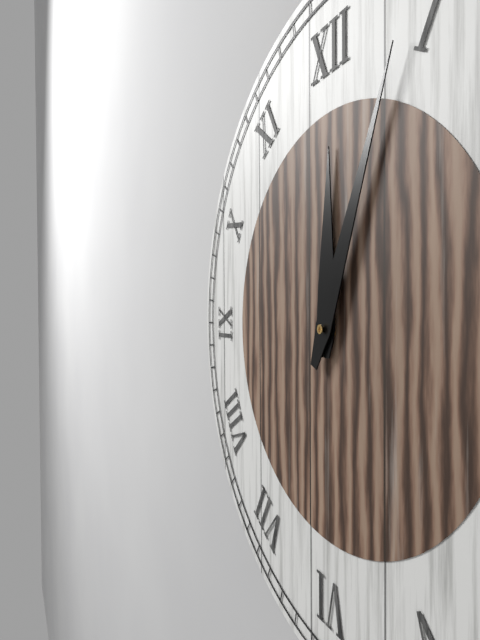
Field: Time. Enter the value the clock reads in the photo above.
12:04
